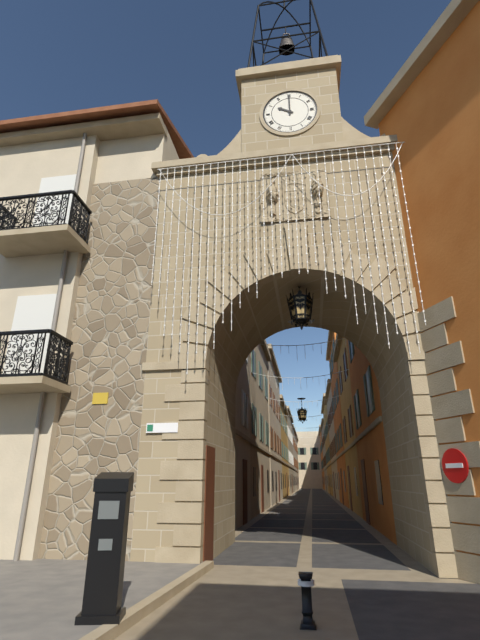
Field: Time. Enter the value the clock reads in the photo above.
10:00
